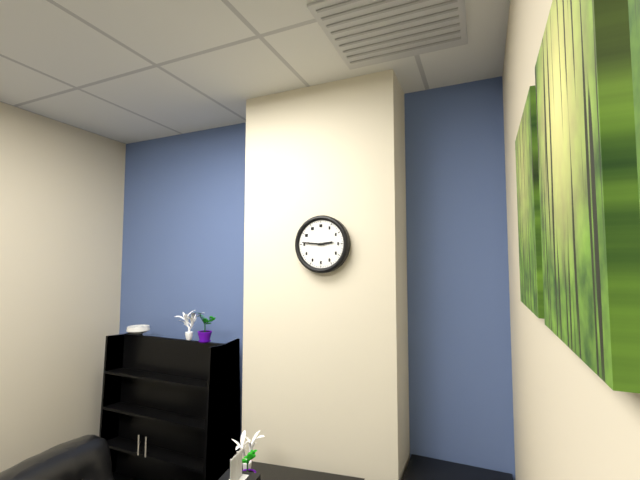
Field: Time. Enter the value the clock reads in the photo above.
2:46
